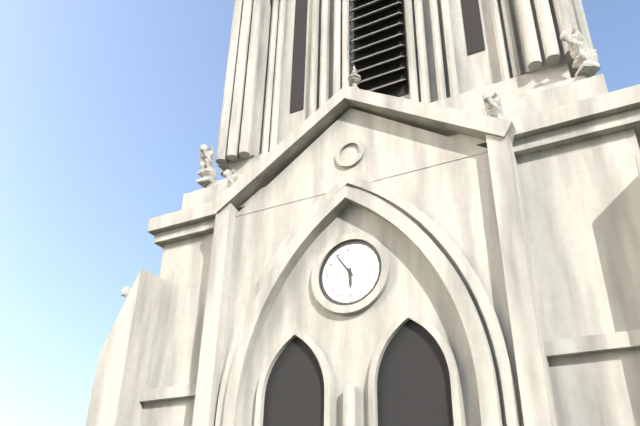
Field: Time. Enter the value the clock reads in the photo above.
5:54
